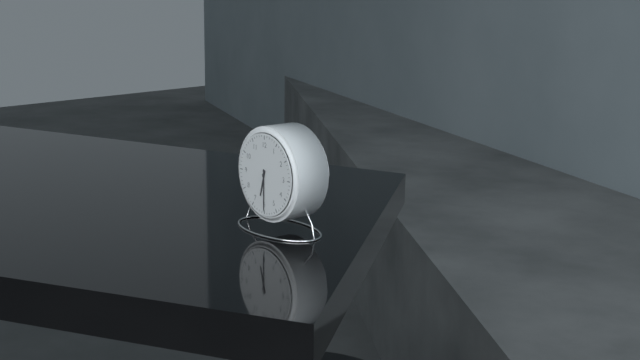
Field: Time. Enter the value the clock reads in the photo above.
6:30
